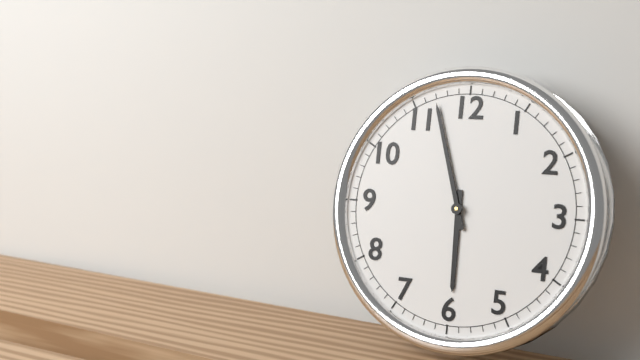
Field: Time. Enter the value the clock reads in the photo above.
5:57
